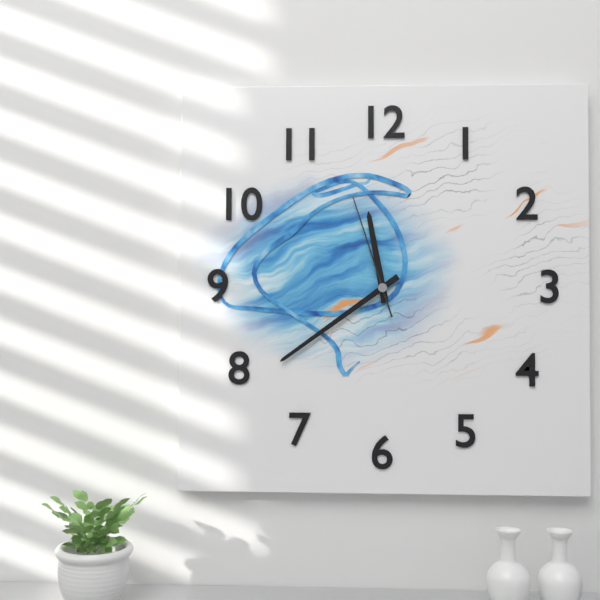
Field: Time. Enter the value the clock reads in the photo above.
11:39:57
